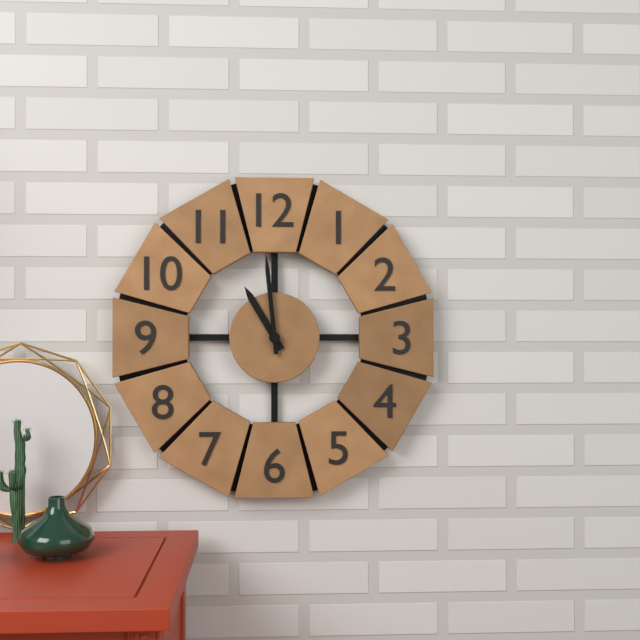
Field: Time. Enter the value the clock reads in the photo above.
10:59
